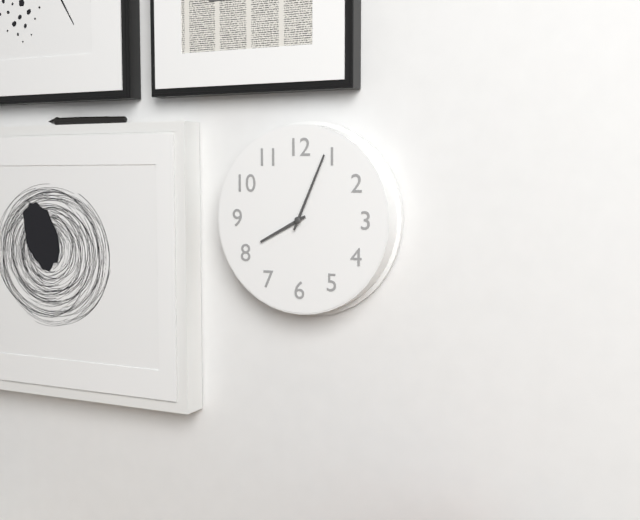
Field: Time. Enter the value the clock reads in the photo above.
8:04
